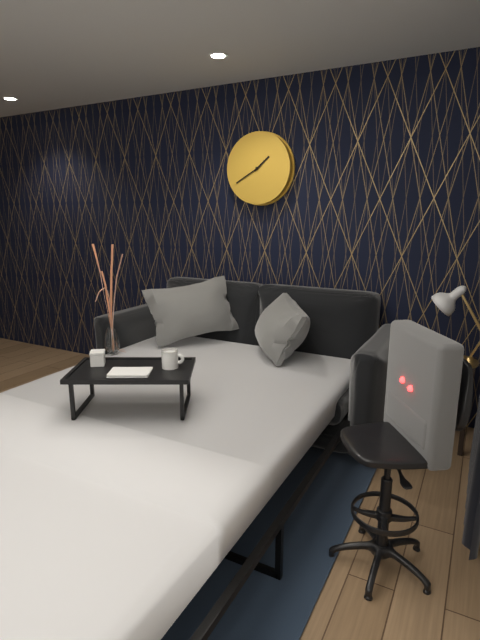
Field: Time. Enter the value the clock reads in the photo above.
1:40
